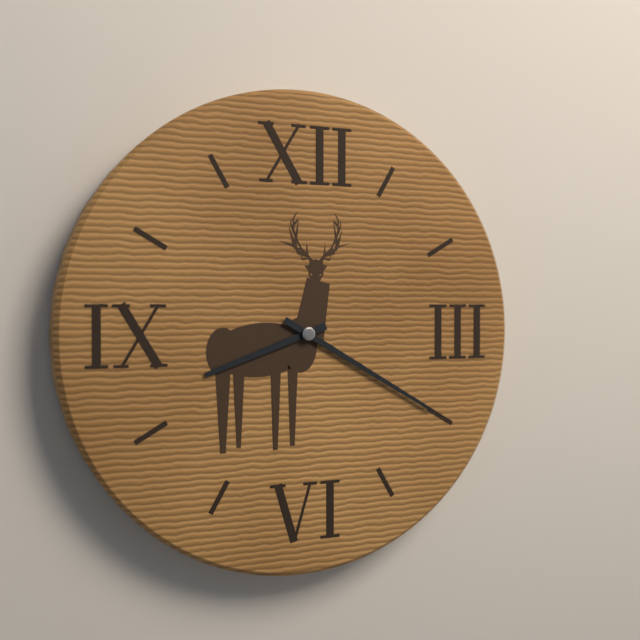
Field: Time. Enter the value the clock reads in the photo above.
8:20
